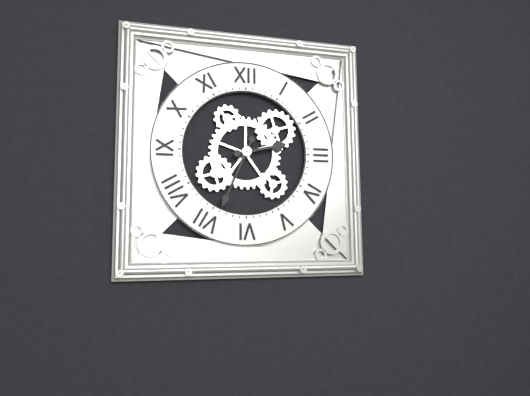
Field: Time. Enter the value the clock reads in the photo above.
2:34
